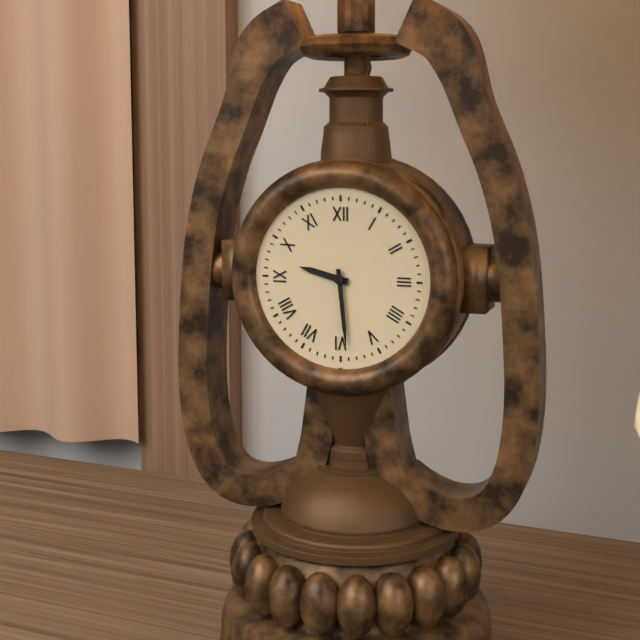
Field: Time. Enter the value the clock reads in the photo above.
9:29
